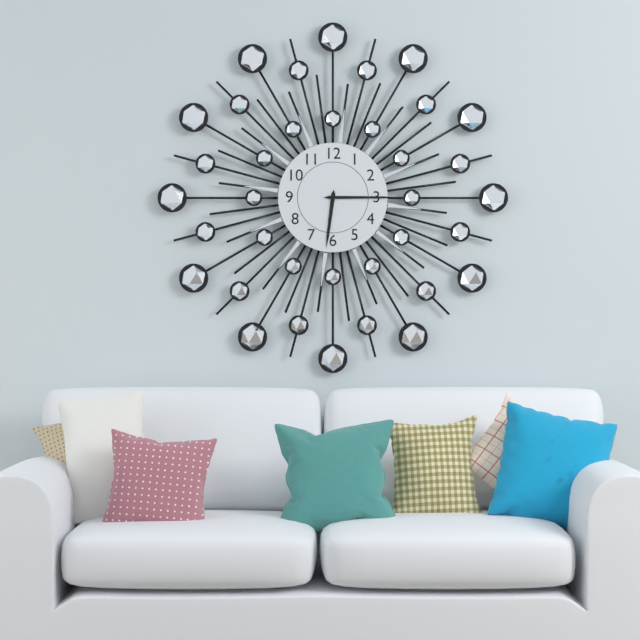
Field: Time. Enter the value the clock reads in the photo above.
6:15
